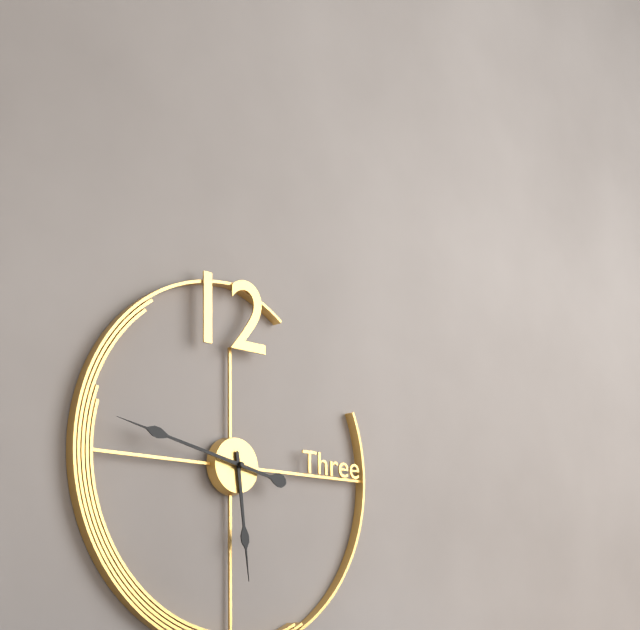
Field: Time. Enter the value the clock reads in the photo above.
5:47
